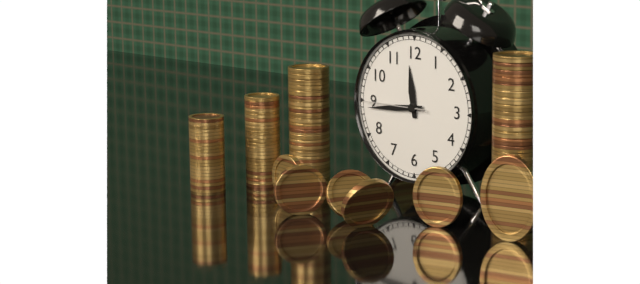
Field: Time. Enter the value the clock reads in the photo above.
11:44:45
